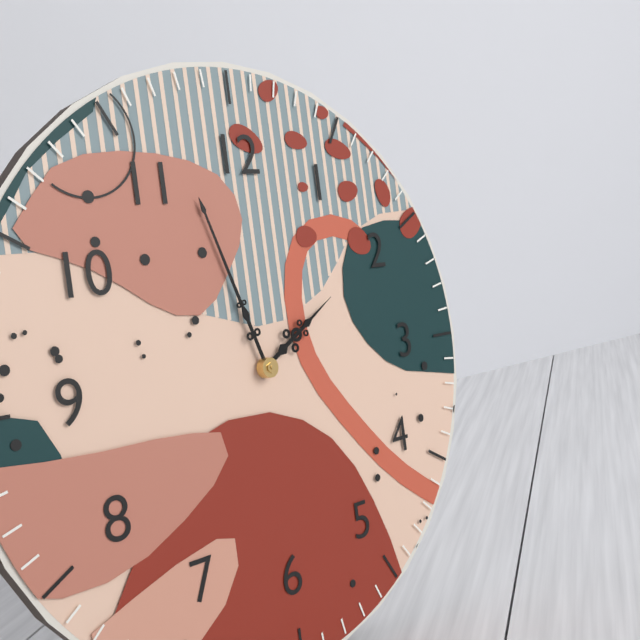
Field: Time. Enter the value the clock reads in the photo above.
1:57
